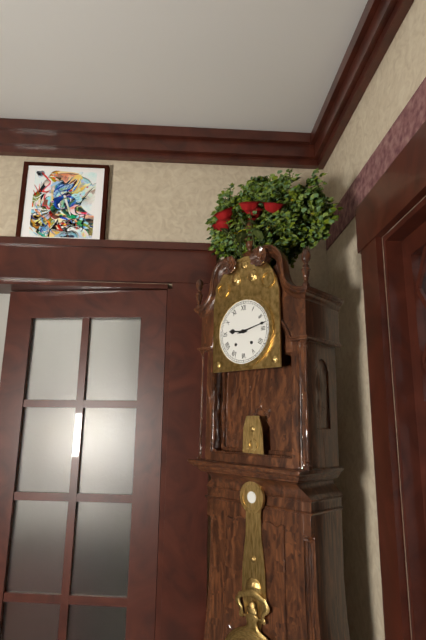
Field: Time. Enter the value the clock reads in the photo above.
9:13
